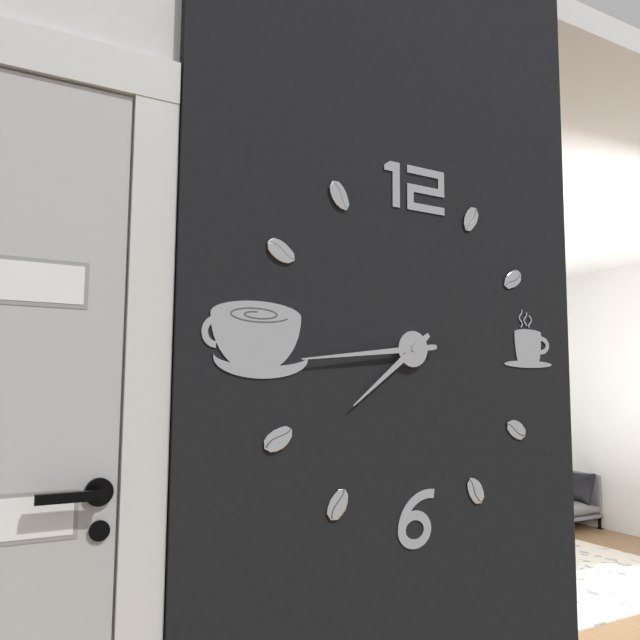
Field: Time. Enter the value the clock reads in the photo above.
7:44
